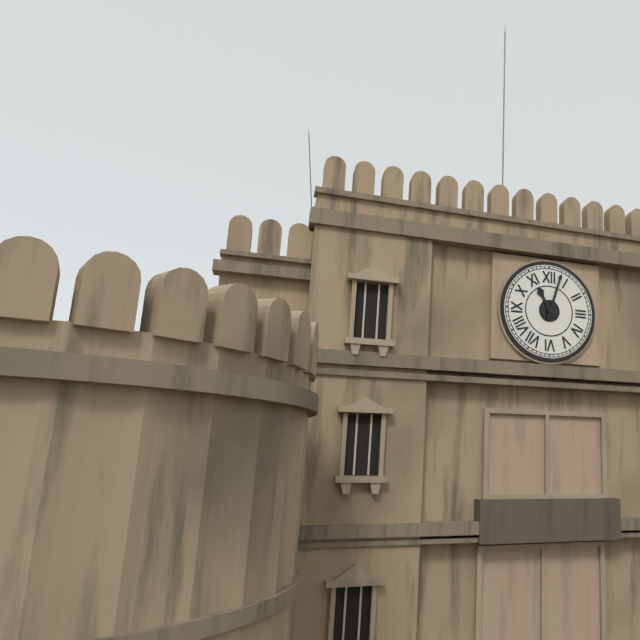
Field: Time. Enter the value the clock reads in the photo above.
11:03
